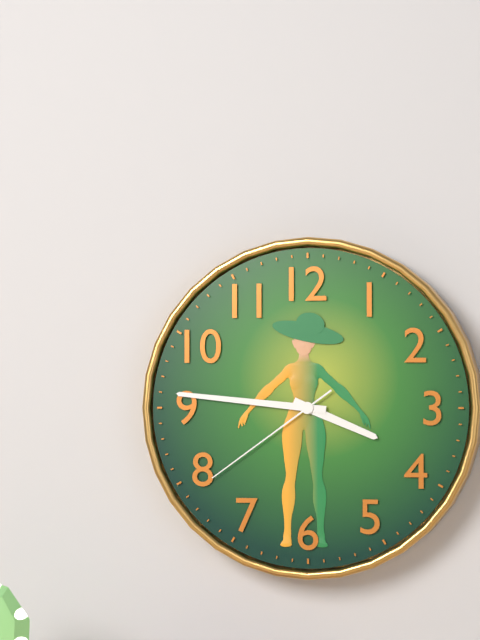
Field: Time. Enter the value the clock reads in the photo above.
3:46:39
